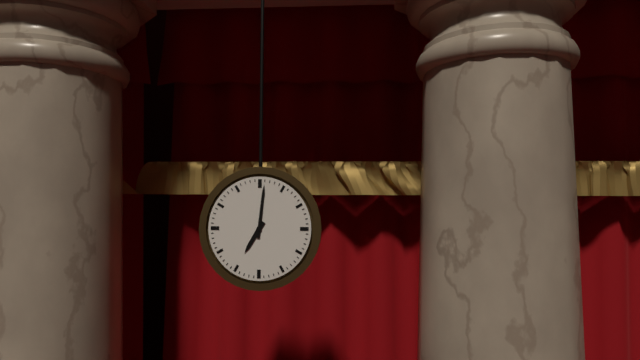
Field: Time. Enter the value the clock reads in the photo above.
7:01
